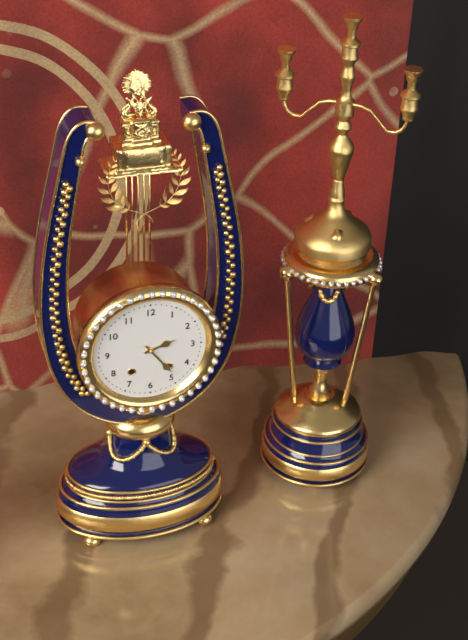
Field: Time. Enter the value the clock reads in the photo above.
2:24
